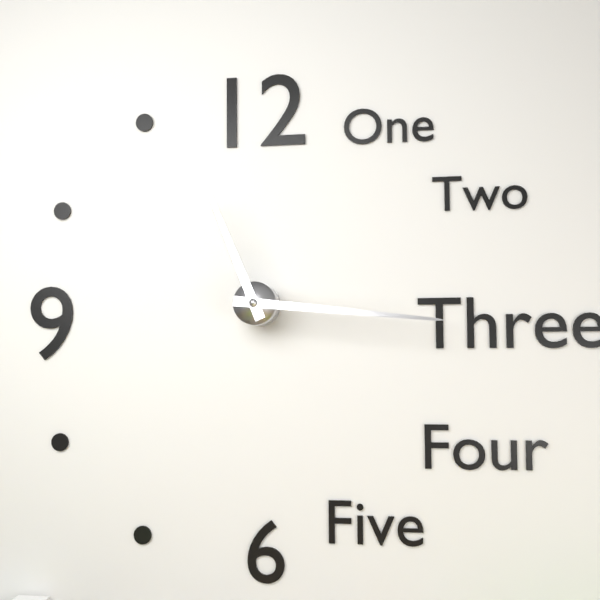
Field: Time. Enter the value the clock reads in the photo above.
11:16
